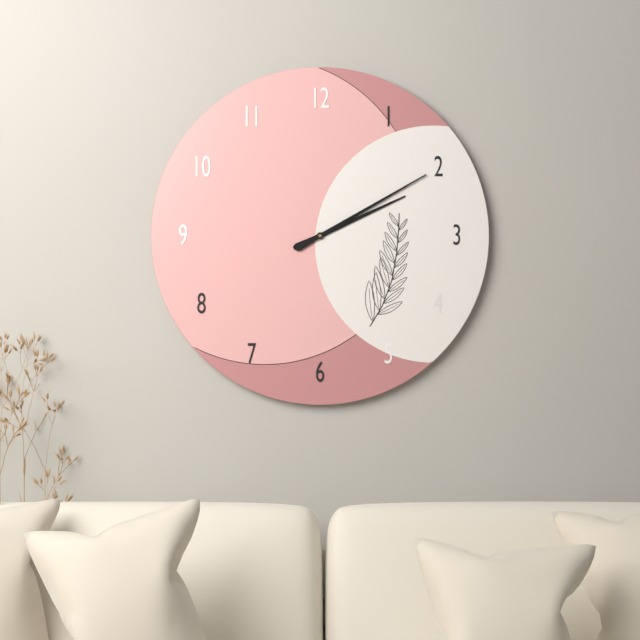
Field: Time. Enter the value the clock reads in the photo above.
2:10
